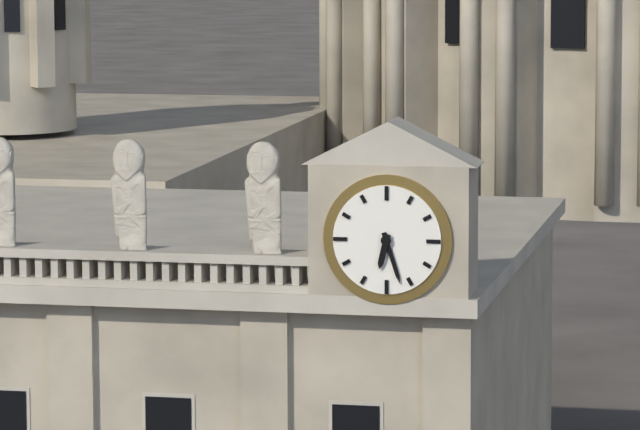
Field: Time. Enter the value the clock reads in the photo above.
6:27
